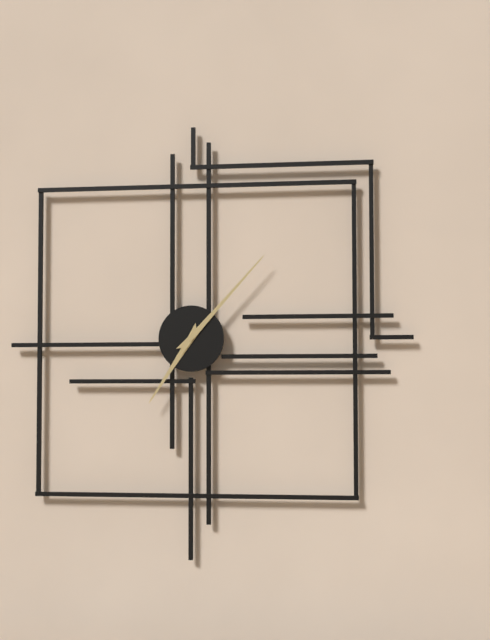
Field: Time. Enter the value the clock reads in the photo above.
7:07
